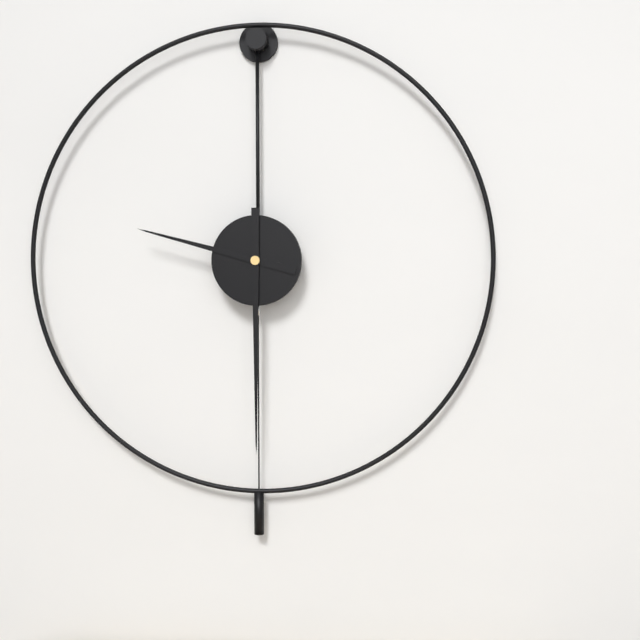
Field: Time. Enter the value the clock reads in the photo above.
9:30
